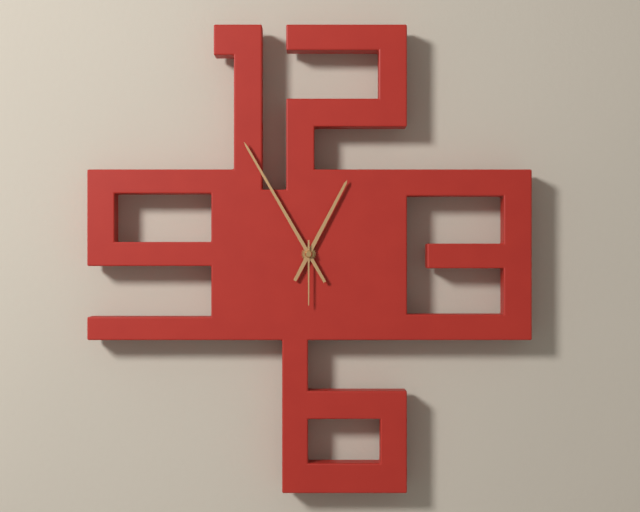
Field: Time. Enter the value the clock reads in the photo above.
12:55:30
